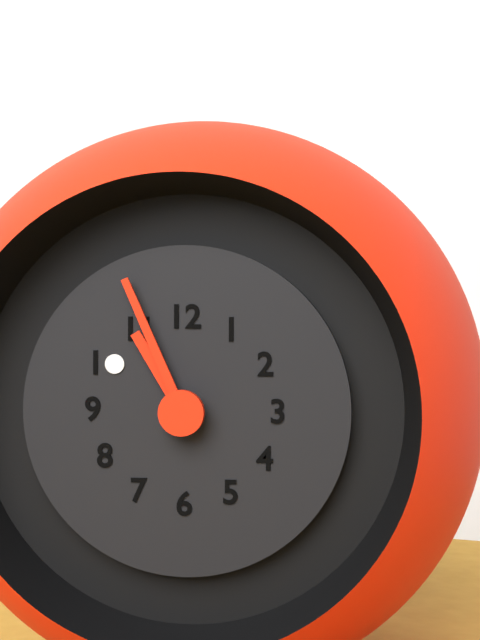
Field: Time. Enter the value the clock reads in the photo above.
10:56
